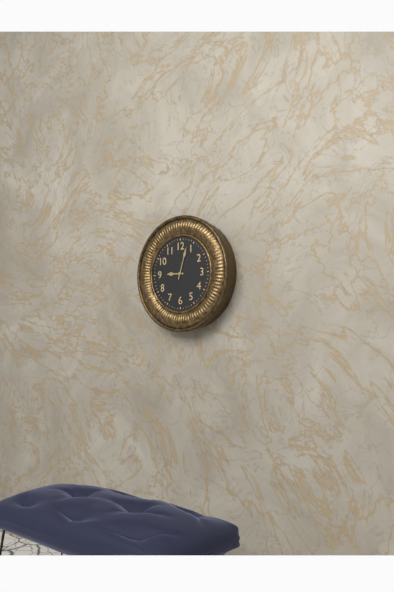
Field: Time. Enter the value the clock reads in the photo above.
9:03
